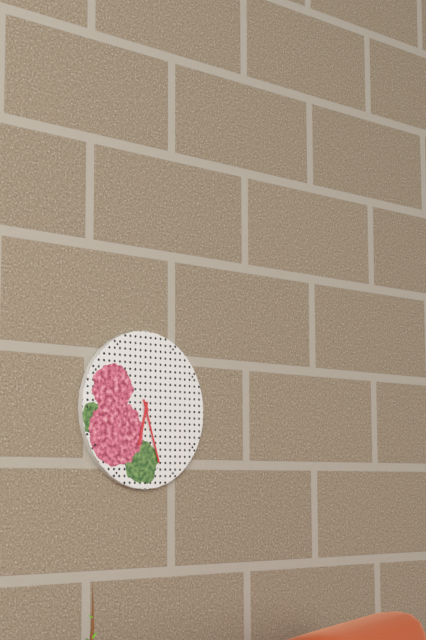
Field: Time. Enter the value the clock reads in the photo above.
6:27
